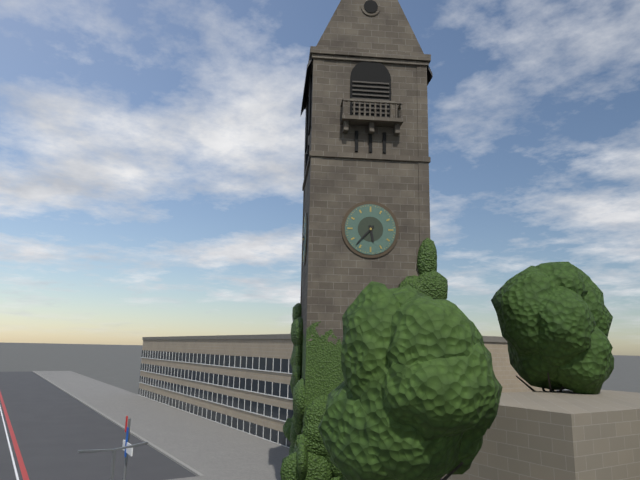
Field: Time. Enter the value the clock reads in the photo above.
5:37
